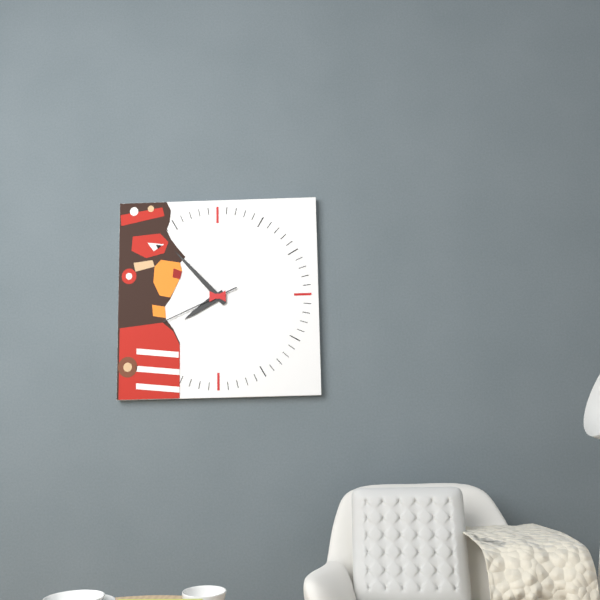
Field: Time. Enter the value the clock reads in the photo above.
7:53:41
